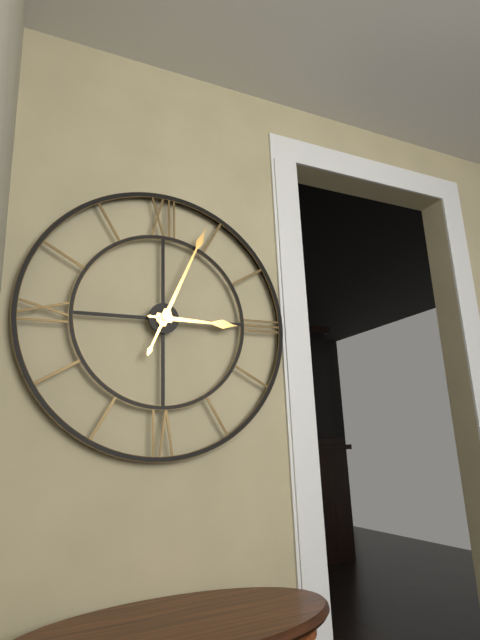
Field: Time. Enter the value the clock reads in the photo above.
3:04
